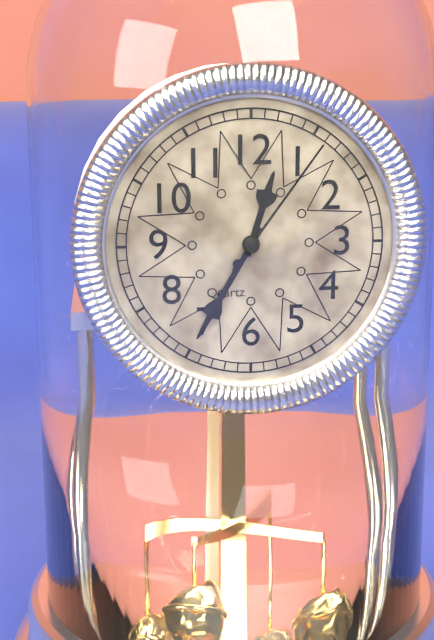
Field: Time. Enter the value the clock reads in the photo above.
12:35:06
